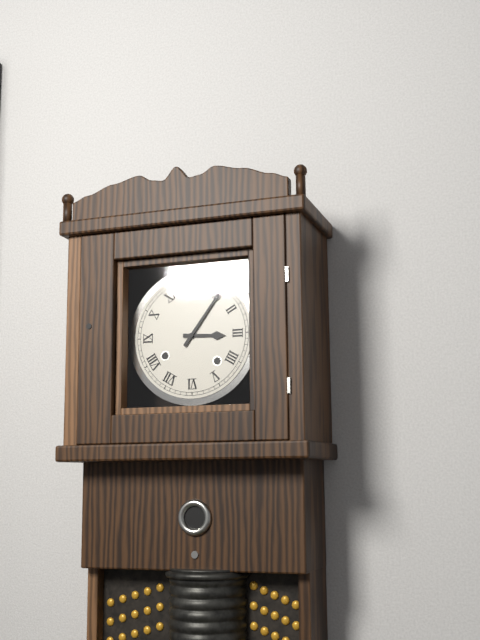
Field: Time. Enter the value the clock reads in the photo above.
3:06
